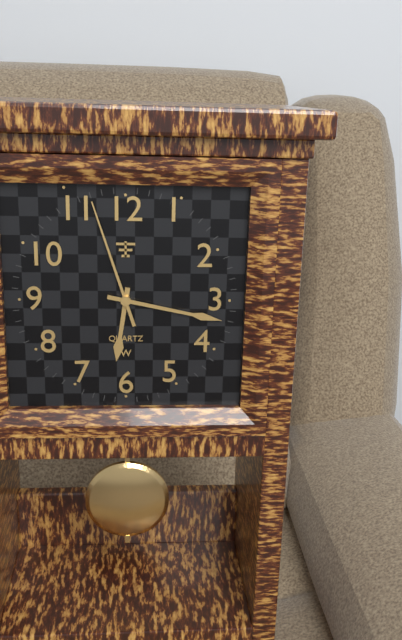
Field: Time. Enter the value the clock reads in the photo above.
6:17:57
